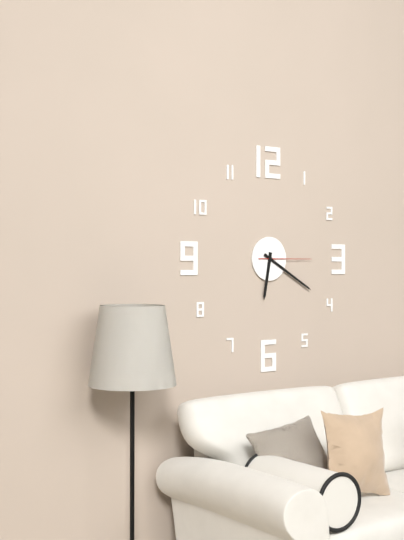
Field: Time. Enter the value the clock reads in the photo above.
6:20:15
